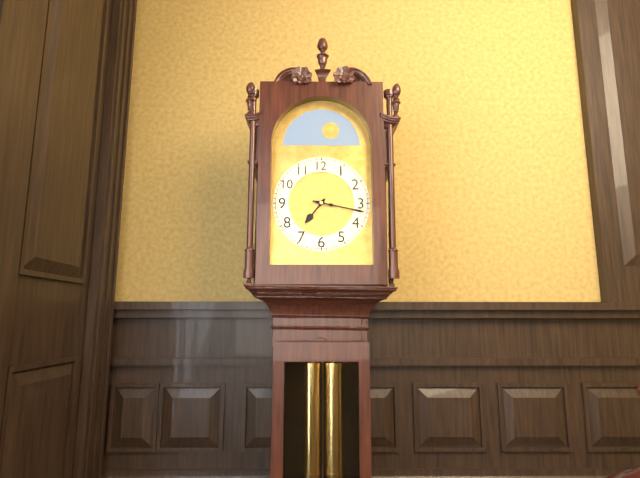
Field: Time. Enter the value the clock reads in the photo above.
7:17
